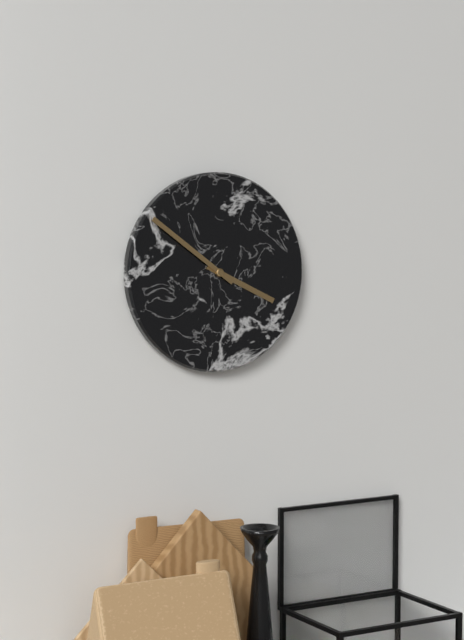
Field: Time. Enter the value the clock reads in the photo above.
3:51
